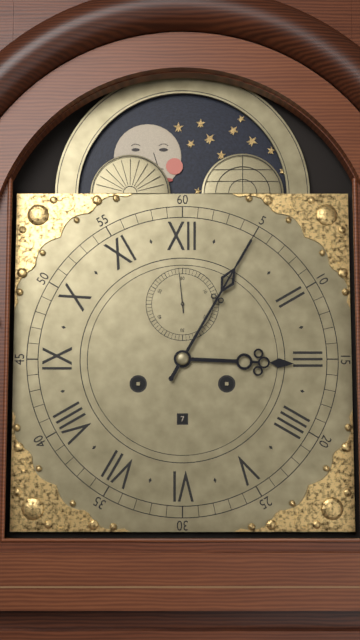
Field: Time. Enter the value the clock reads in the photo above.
3:05
